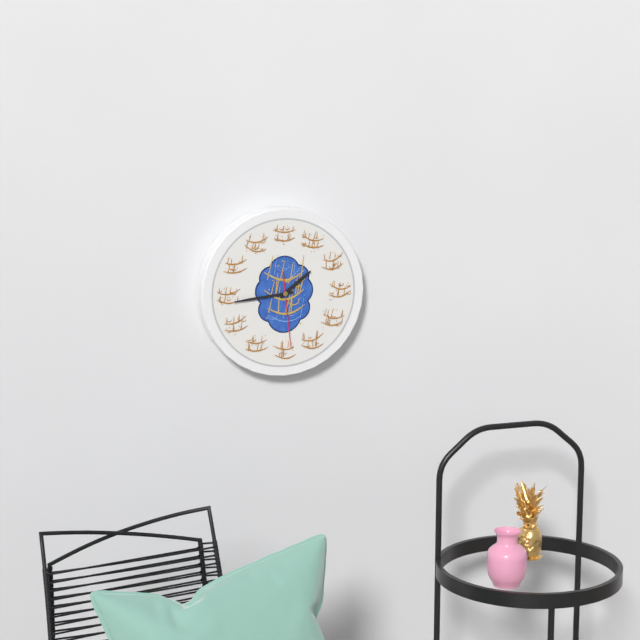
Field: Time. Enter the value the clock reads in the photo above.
1:44:29
